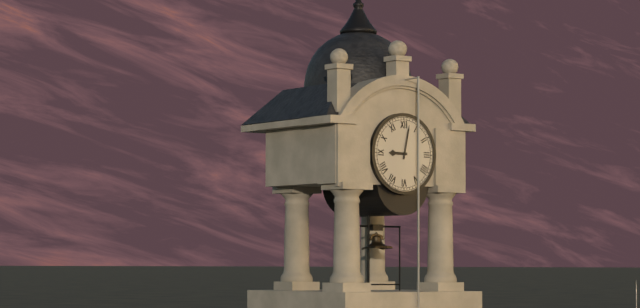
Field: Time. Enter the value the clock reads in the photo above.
9:02
